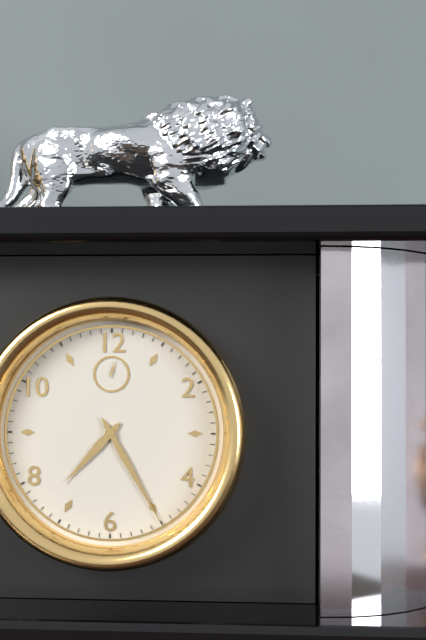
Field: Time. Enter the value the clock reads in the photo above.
7:25
